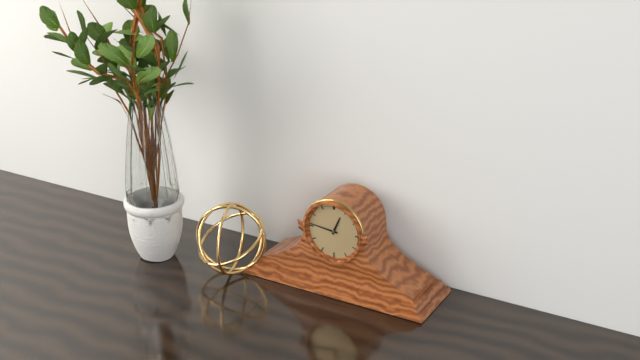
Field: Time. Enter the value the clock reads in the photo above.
12:46
